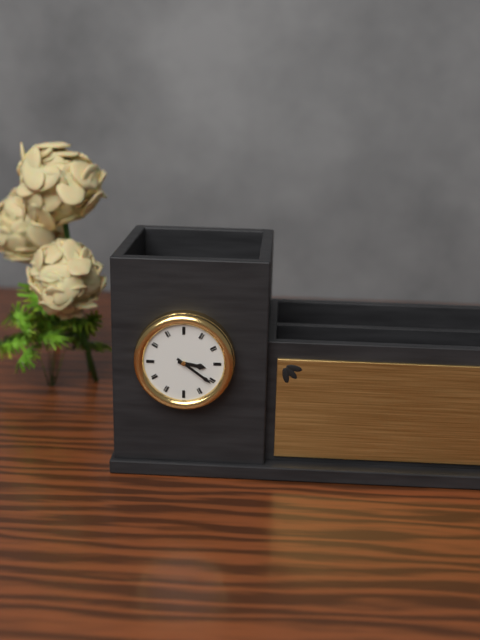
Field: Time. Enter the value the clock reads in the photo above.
3:21
